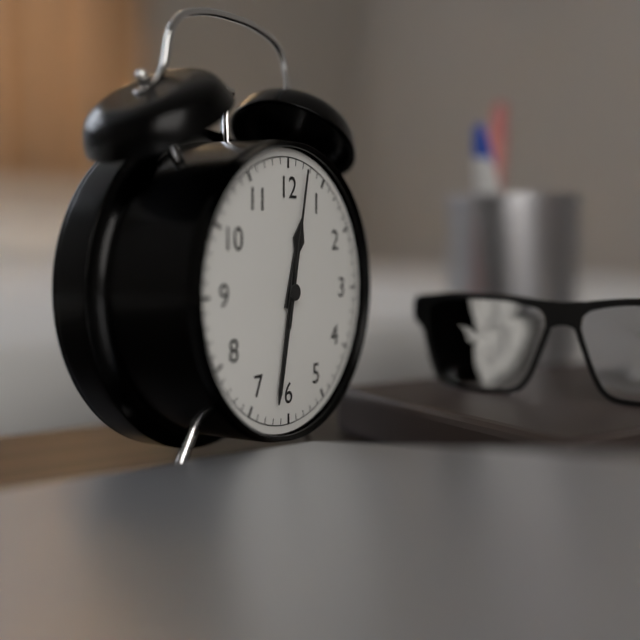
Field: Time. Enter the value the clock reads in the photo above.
12:32:02
